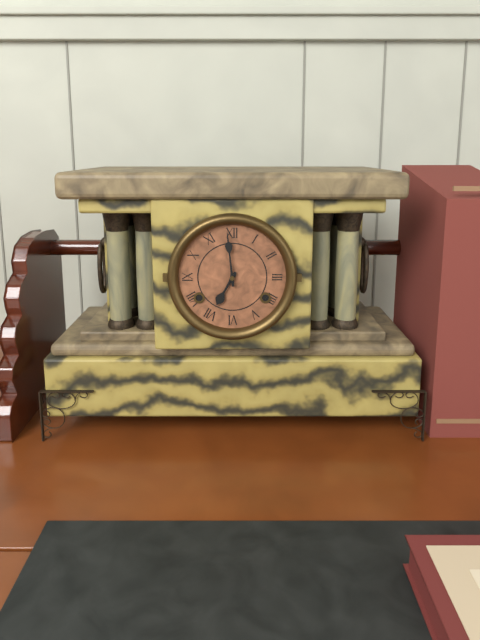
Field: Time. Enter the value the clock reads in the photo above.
6:59
